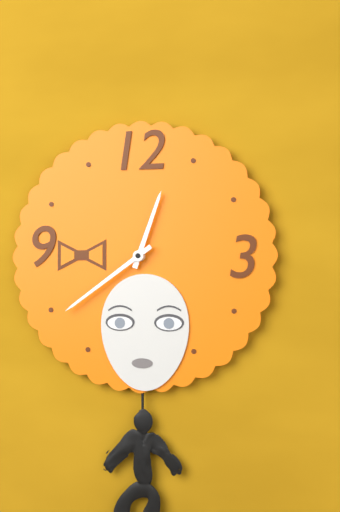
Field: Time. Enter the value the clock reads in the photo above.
12:39
